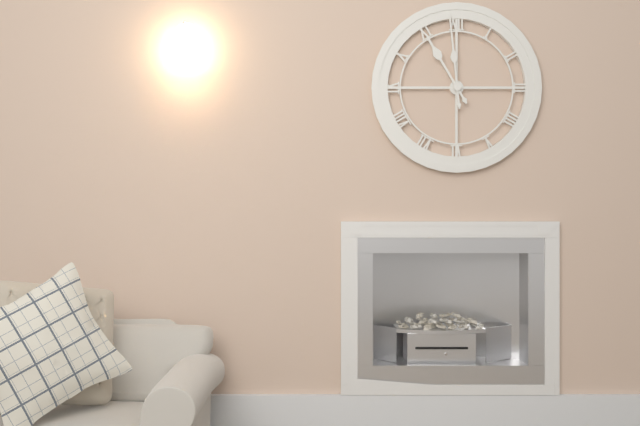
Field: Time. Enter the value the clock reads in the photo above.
10:59
